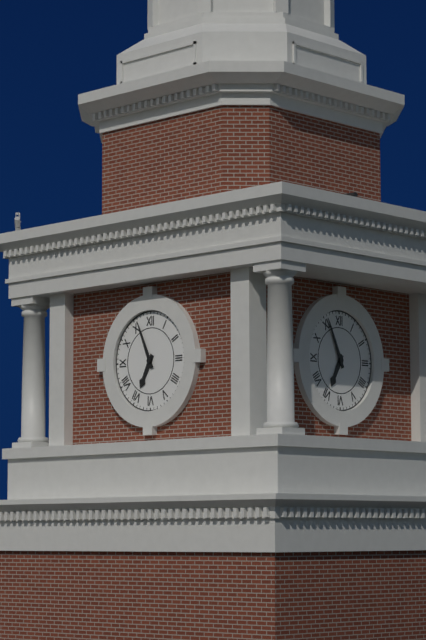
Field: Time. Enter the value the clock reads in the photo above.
6:56
